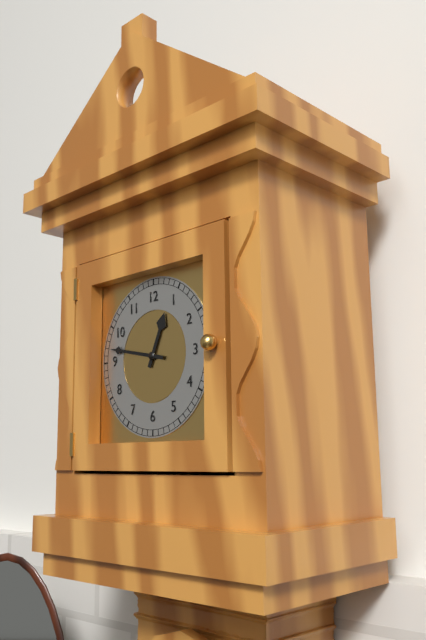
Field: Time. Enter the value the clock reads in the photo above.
12:47
